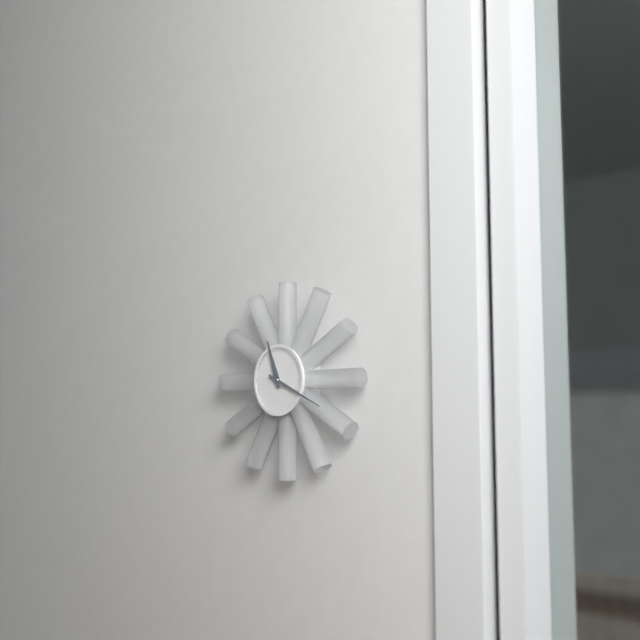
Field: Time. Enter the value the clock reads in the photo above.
11:19
